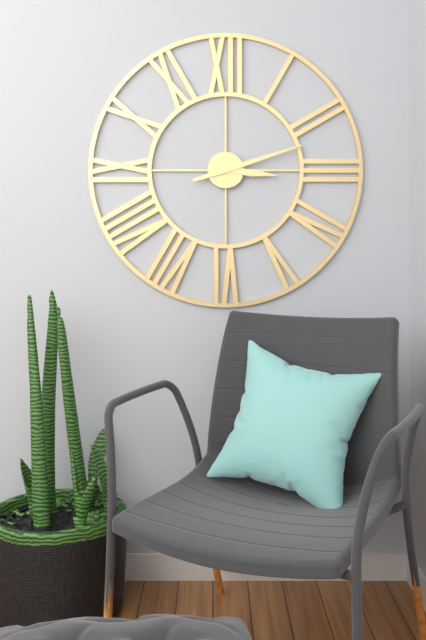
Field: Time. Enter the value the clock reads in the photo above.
3:12
